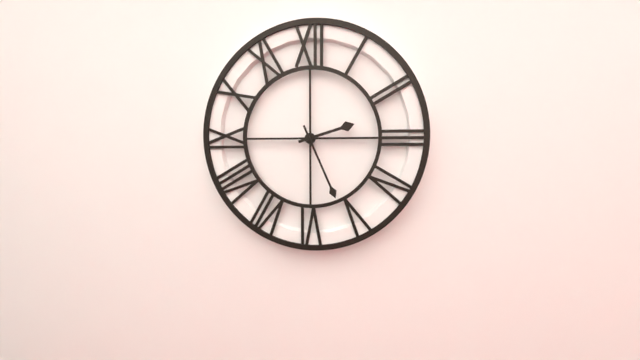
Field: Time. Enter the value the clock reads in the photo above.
2:26
